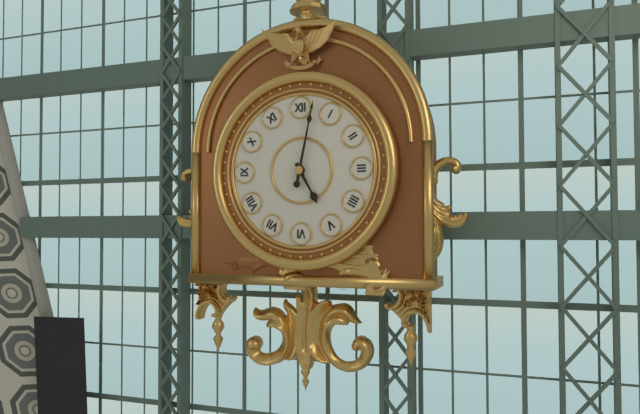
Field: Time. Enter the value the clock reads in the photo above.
5:02
